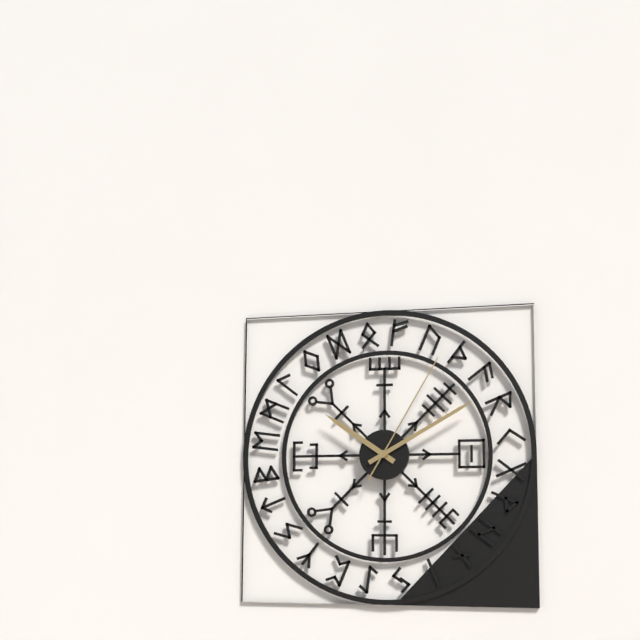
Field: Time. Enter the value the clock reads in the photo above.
10:10:05
